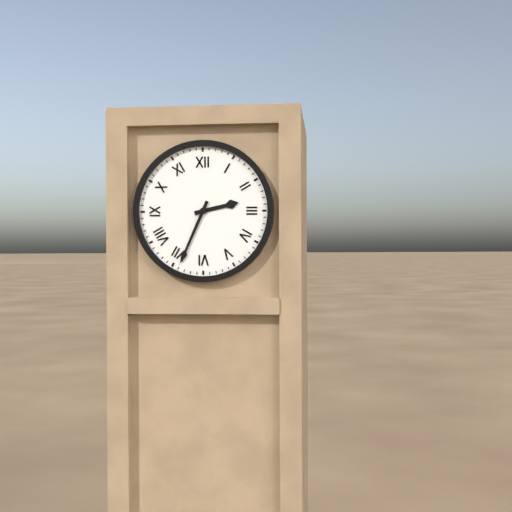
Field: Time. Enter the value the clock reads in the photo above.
2:34
